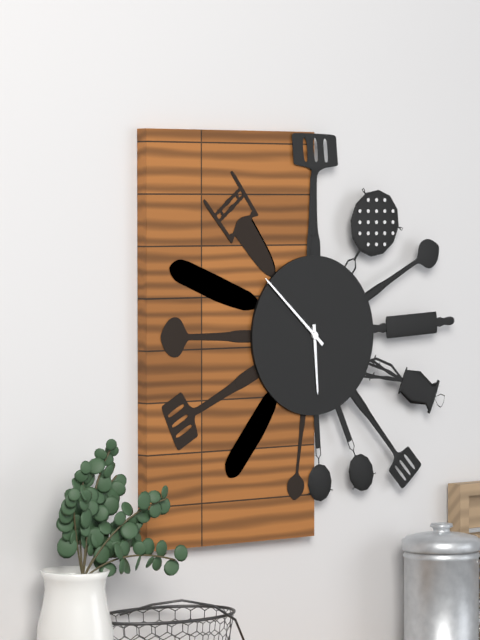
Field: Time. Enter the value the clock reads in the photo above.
5:52
